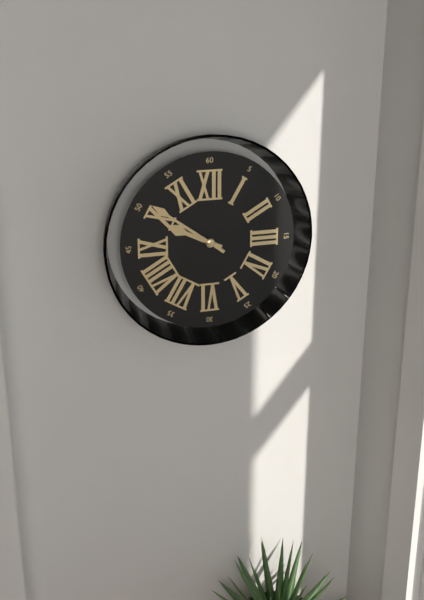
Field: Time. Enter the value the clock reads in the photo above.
9:51
